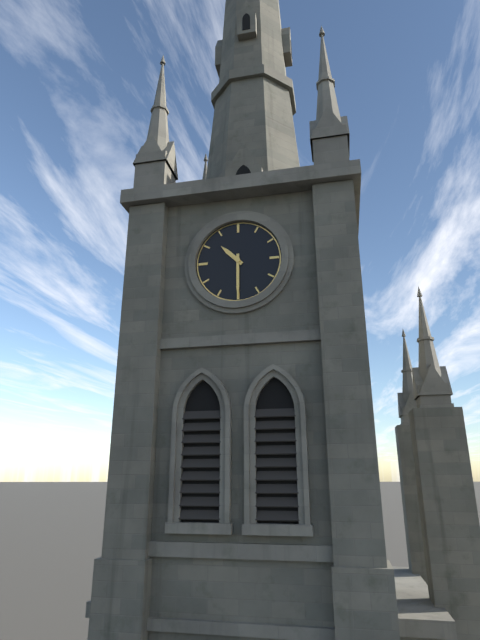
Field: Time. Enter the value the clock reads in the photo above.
10:30
